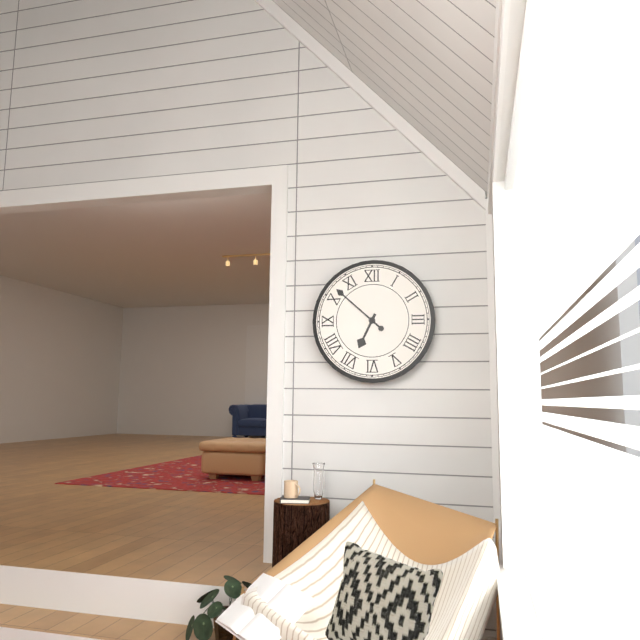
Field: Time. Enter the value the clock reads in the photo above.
6:52
